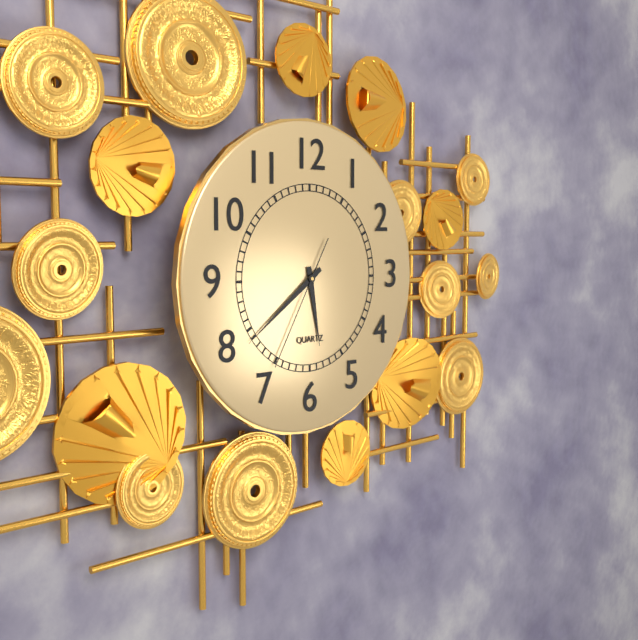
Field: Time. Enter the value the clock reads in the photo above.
5:39:35
